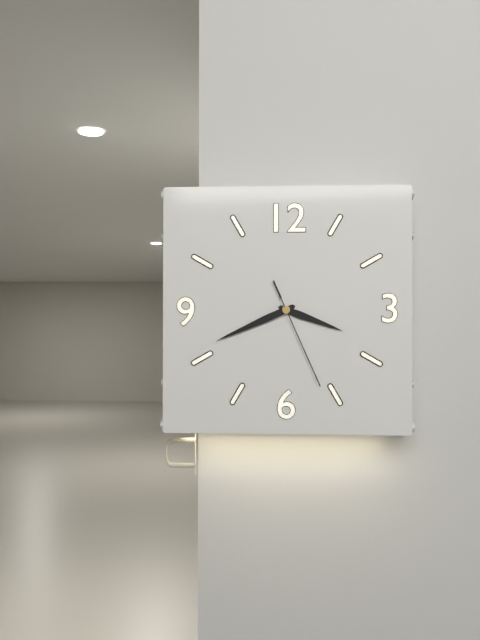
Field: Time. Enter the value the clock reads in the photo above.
3:41:26
